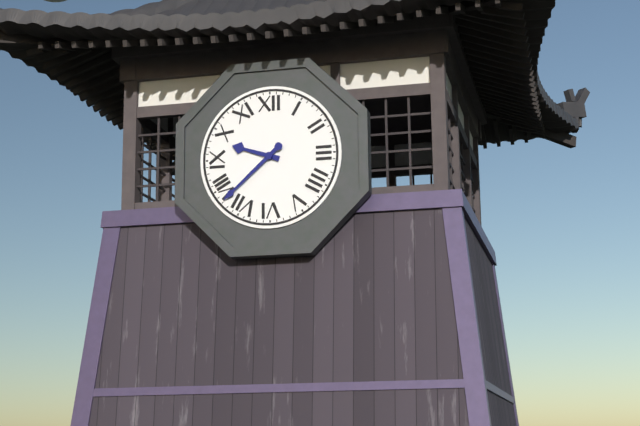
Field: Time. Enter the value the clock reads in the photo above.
9:38
